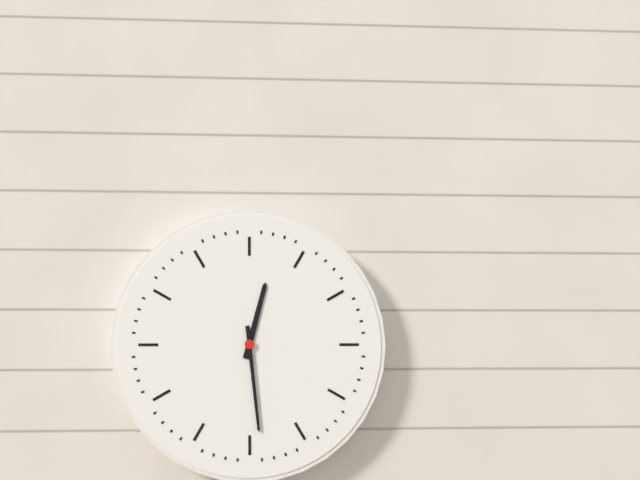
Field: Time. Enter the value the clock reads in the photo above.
12:29
